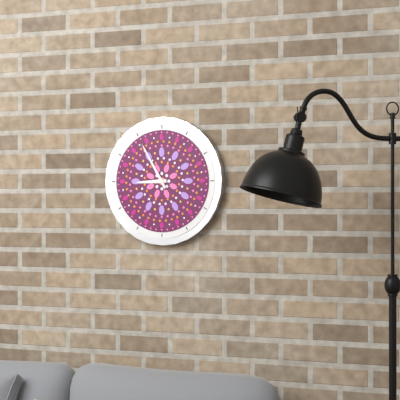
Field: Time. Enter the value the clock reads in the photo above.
8:55
